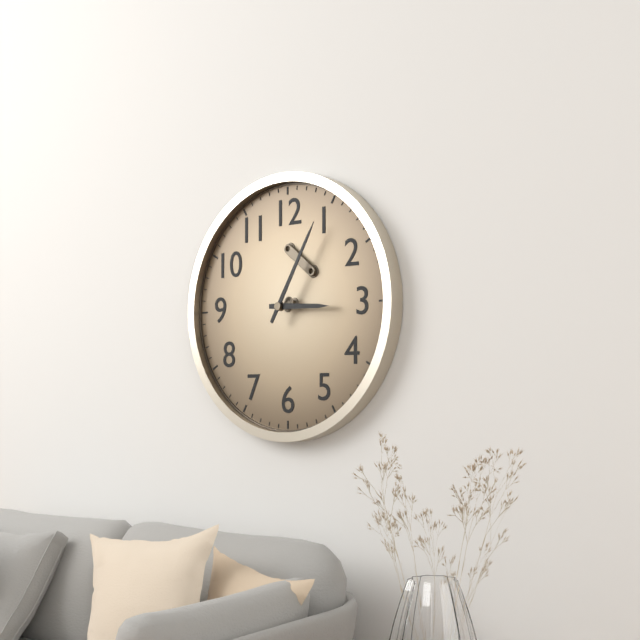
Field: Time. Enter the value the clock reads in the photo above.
3:05
